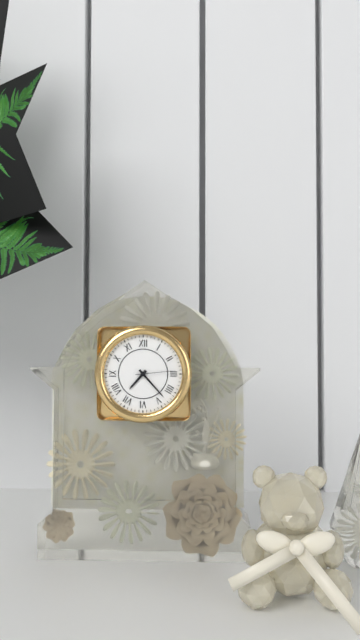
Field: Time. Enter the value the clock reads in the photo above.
7:23
